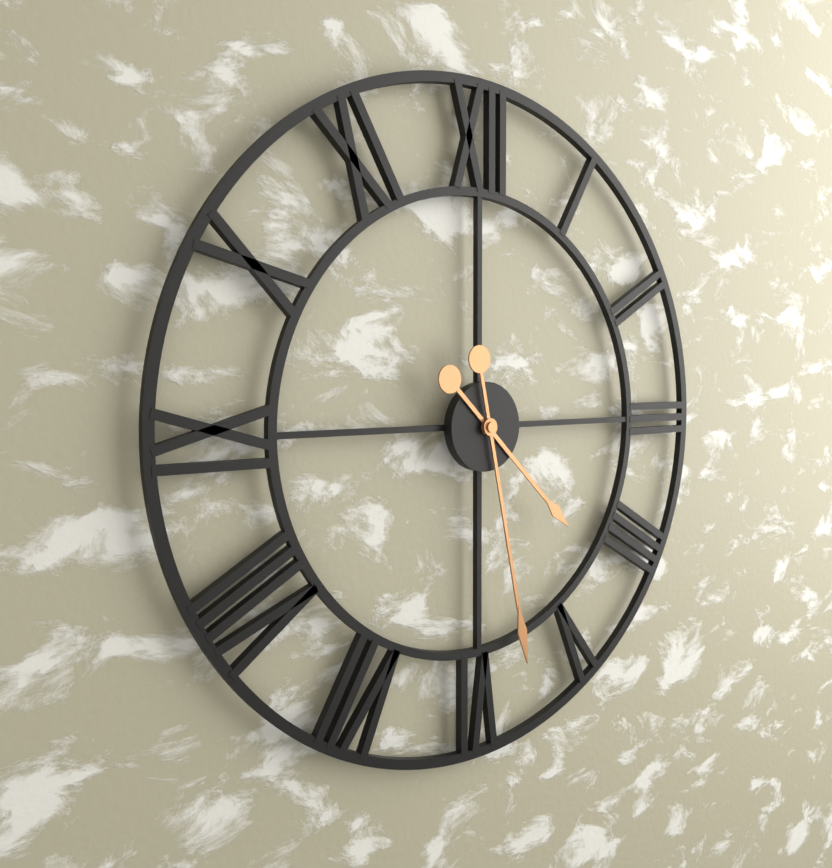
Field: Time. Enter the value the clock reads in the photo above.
4:28
